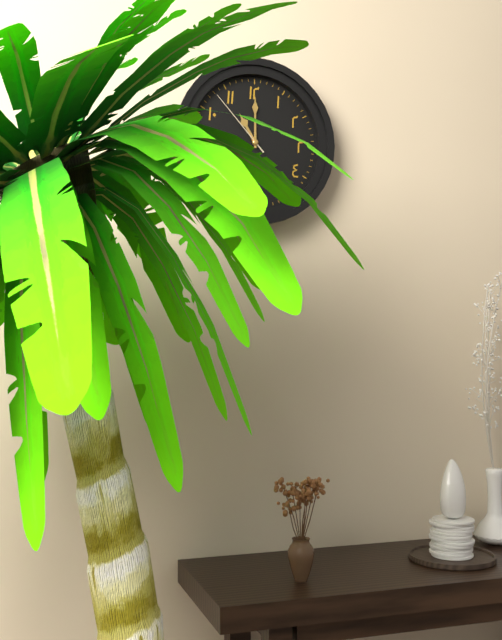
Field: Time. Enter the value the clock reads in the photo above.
11:00:53
